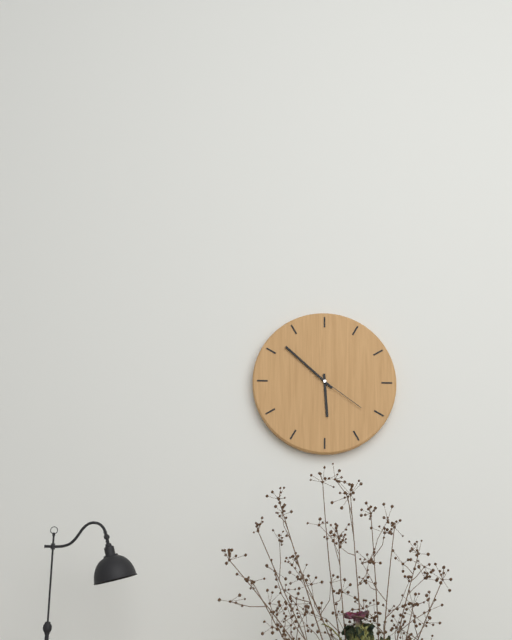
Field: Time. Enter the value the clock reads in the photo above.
5:52:21
